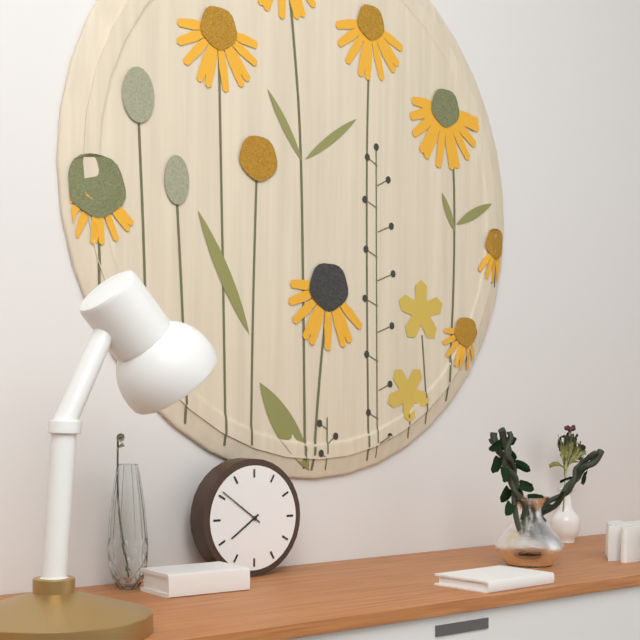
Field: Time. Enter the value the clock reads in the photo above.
7:51
